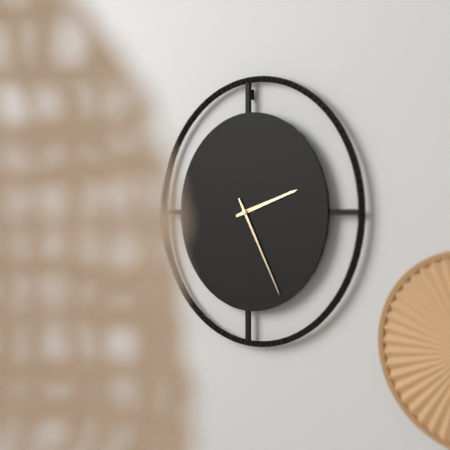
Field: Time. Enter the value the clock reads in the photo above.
2:25
